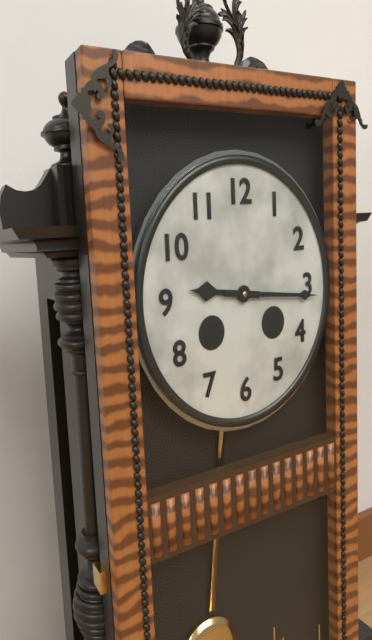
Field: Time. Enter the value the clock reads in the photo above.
9:16
